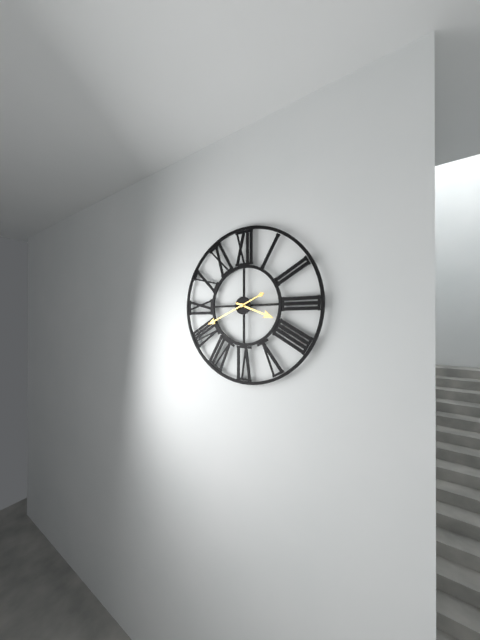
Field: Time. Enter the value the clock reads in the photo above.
3:41
